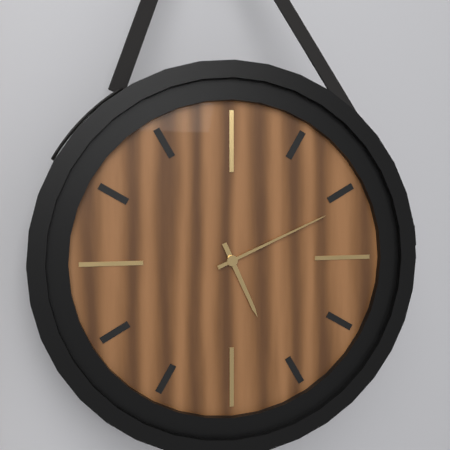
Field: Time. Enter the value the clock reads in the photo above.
5:11
